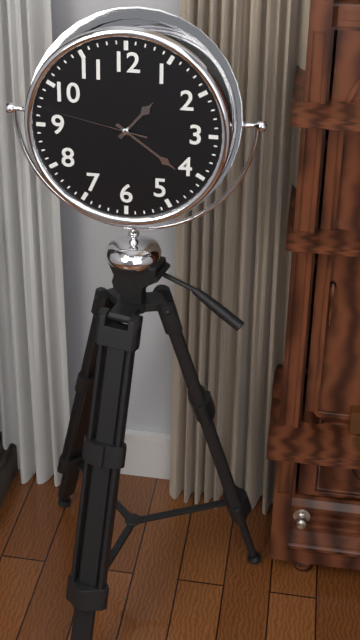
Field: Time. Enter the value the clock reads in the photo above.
1:21:47
